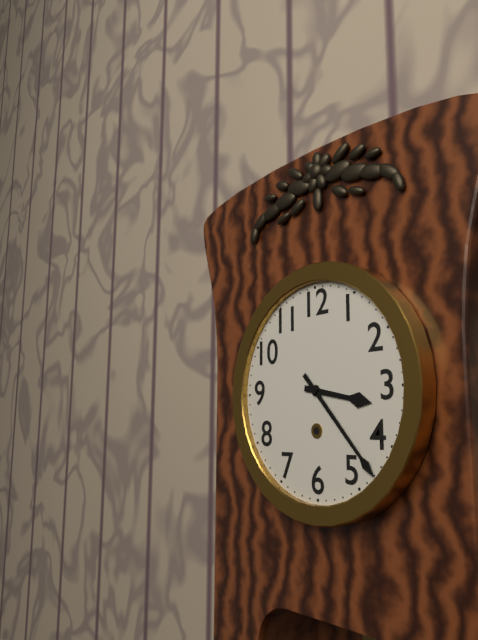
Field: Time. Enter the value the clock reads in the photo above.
3:23
